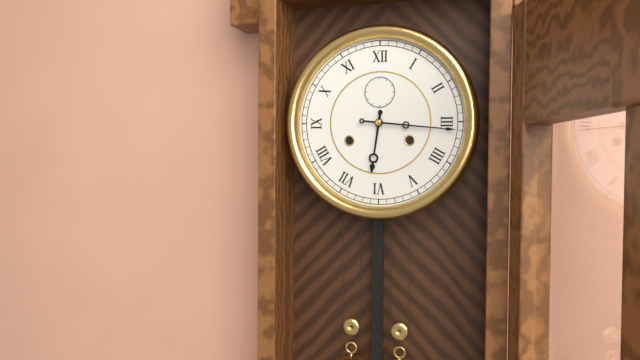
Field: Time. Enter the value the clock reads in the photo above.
6:16
